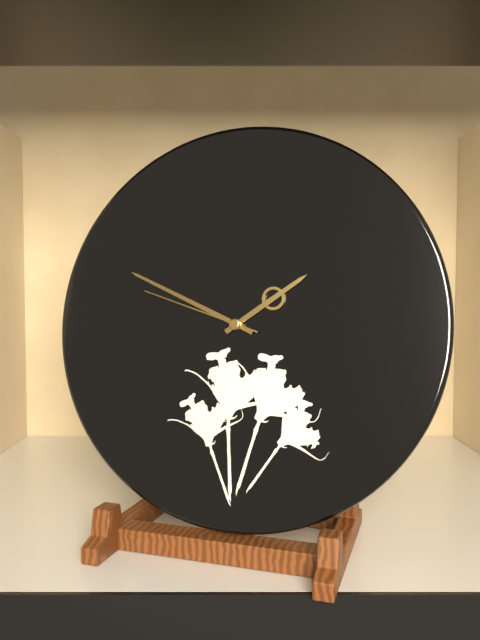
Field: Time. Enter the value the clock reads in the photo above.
1:49:48
